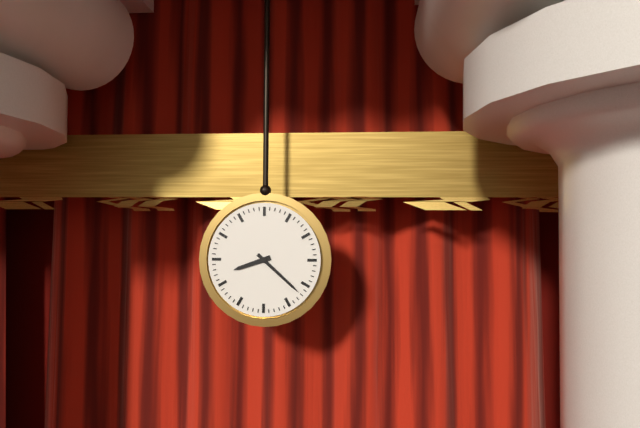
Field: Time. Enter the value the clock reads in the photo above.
8:22
